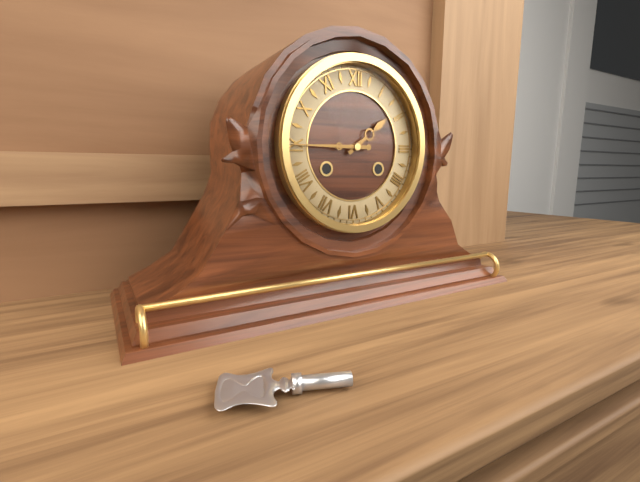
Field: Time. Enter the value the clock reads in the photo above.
1:45
